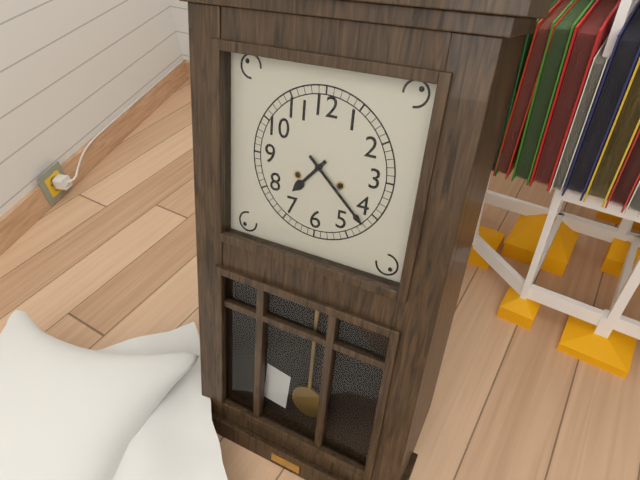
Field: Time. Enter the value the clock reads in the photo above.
7:22
